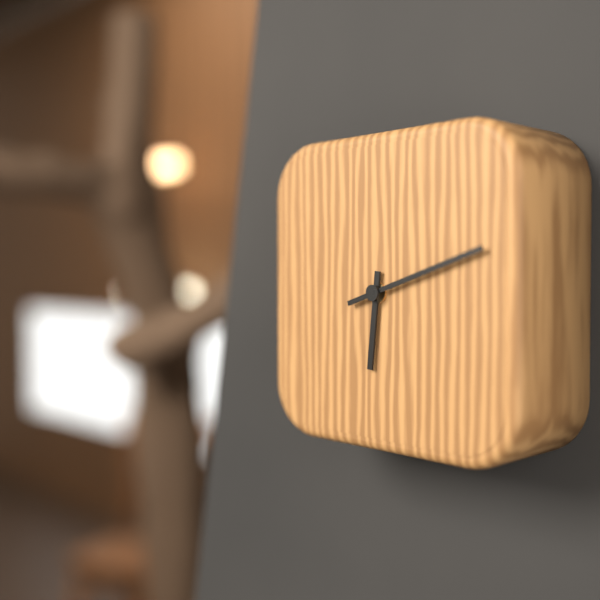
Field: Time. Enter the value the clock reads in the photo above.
6:12
